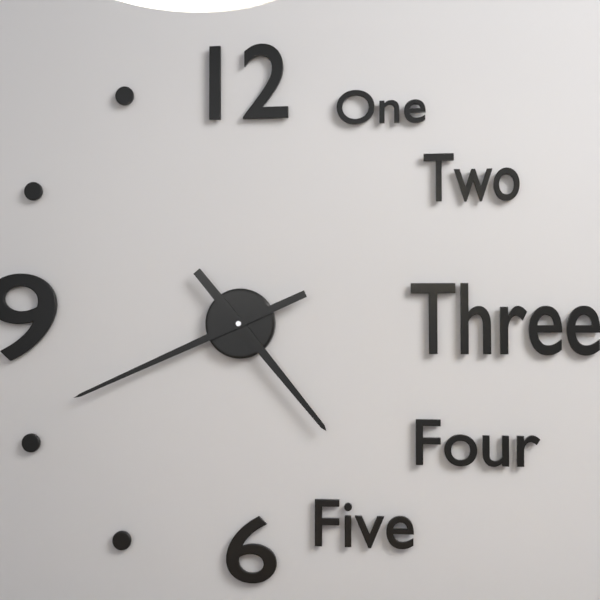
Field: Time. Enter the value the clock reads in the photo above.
4:41
